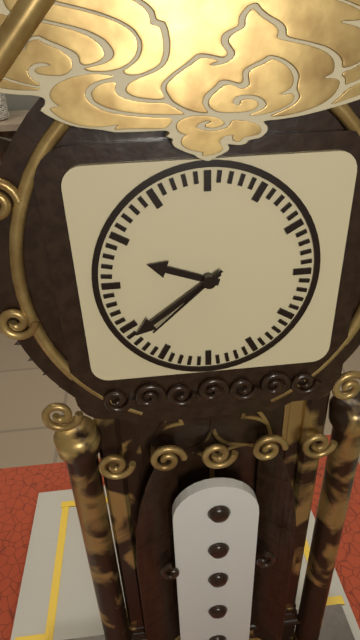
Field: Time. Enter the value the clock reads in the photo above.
9:39:38
